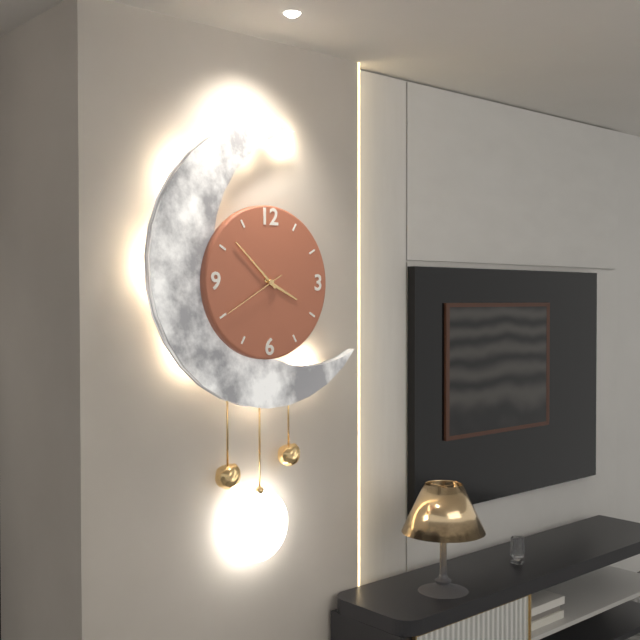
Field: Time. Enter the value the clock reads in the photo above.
3:52:40
